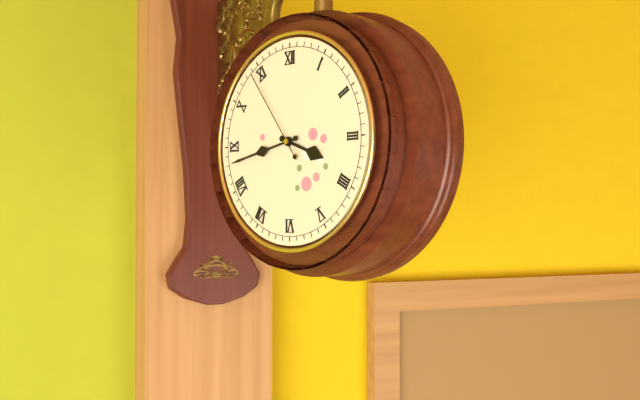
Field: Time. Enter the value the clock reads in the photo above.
3:43:54
